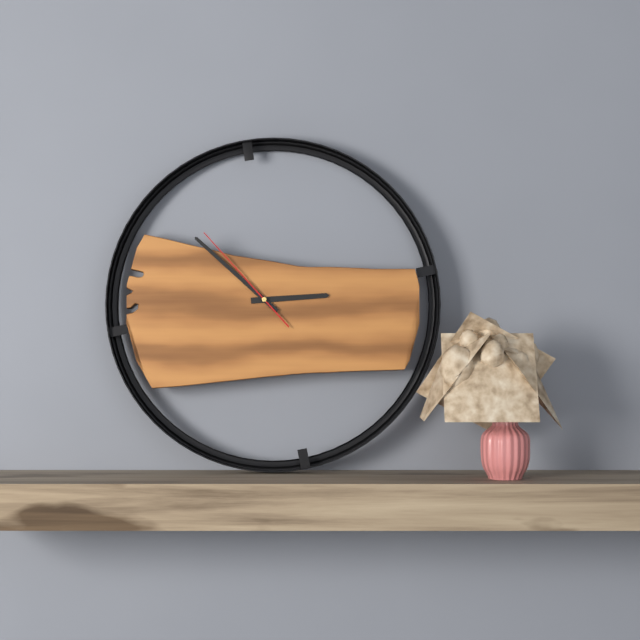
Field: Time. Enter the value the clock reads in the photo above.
2:52:53
